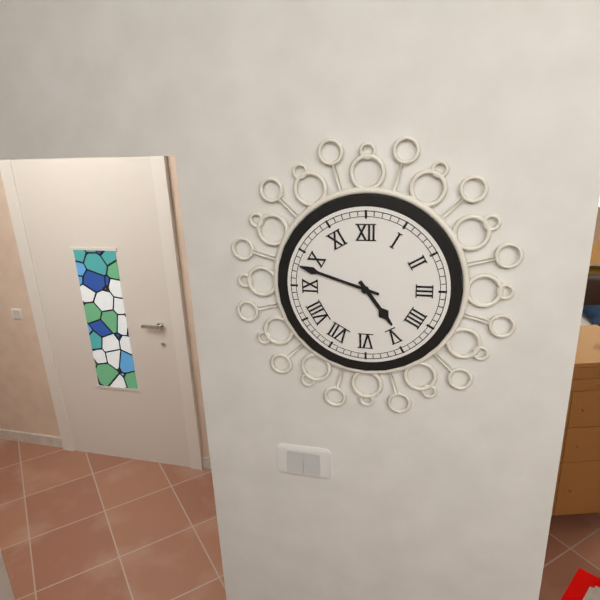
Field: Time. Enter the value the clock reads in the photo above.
4:48
